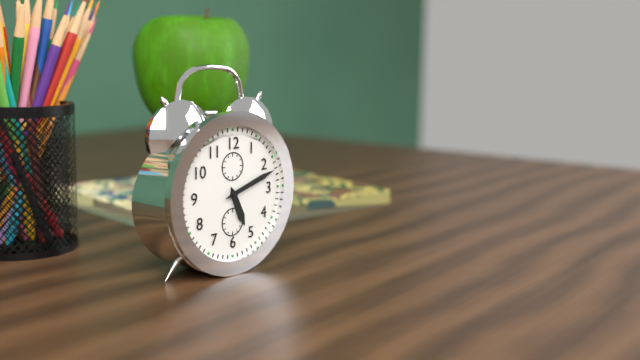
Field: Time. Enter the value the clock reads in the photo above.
5:12
